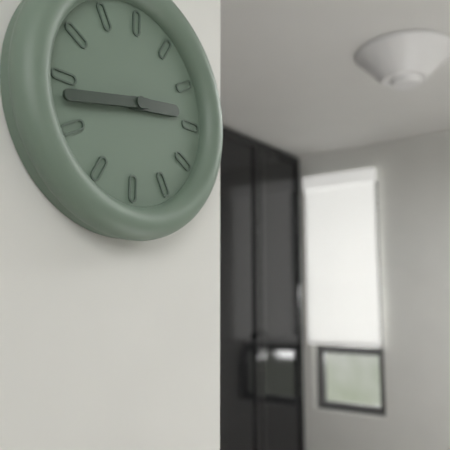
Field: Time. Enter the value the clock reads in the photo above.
2:43
